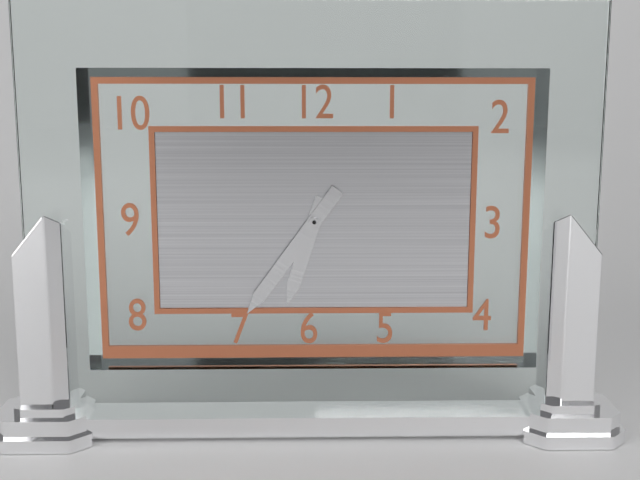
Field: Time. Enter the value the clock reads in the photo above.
6:36
